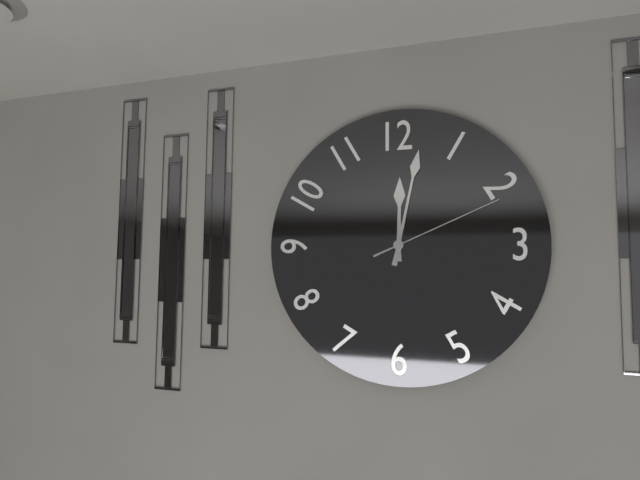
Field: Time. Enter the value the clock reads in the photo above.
12:02:11
